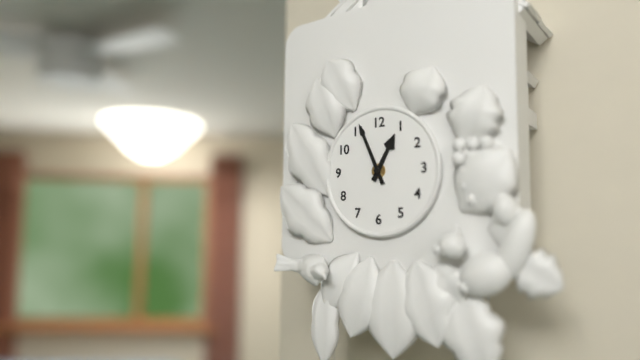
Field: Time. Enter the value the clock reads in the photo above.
12:56
